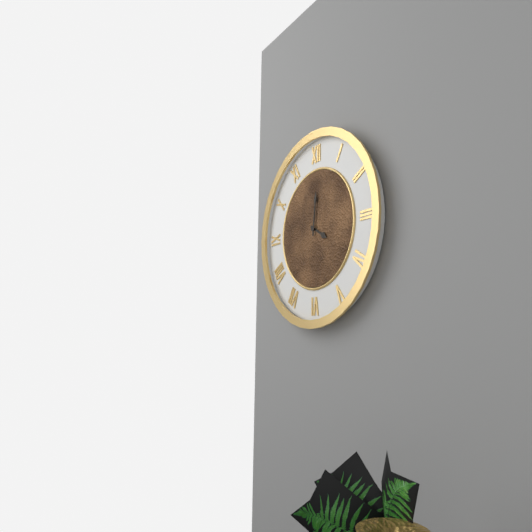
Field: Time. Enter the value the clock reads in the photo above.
4:01
